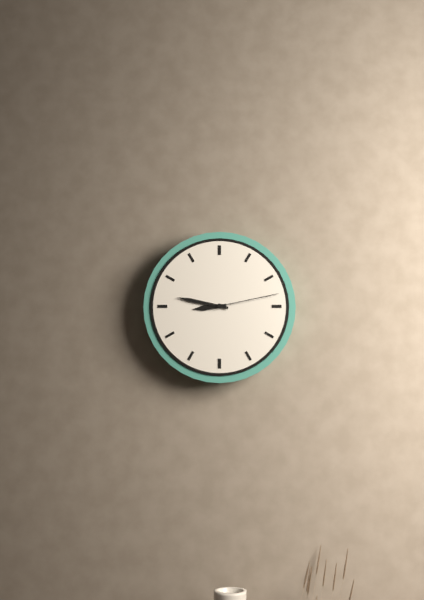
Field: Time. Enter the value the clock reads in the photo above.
8:47:13
